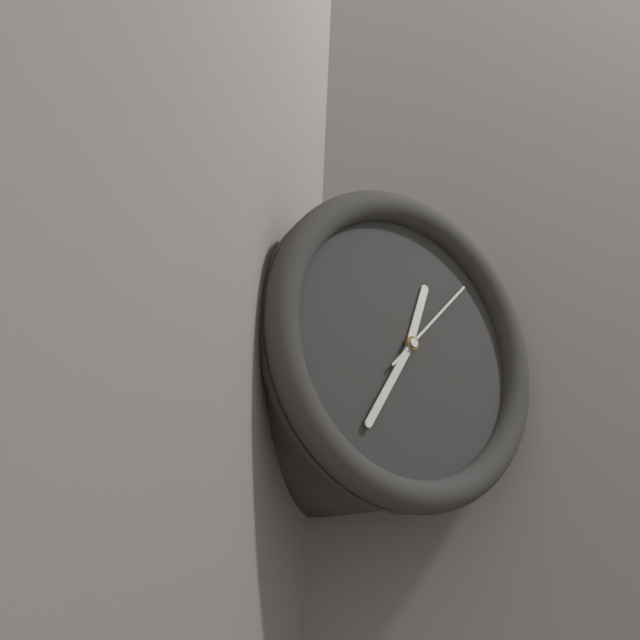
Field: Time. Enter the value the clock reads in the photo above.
12:35:07
